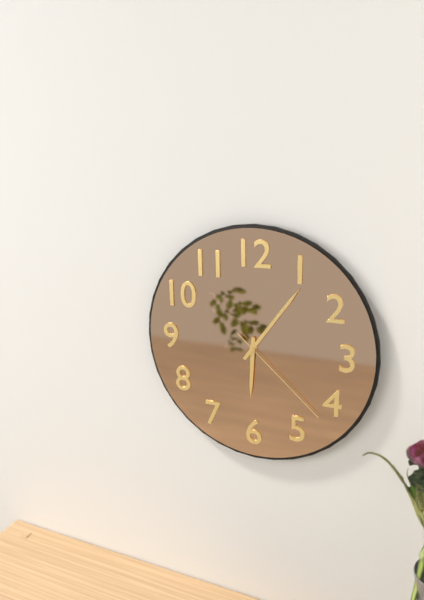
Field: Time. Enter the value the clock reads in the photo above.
6:06:22
